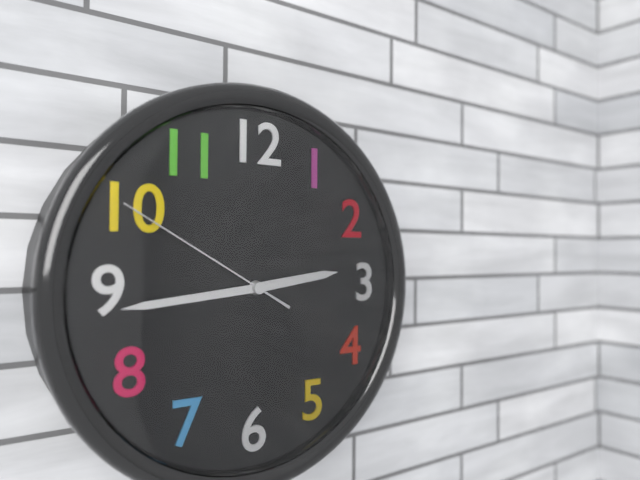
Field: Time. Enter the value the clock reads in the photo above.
2:44:50
